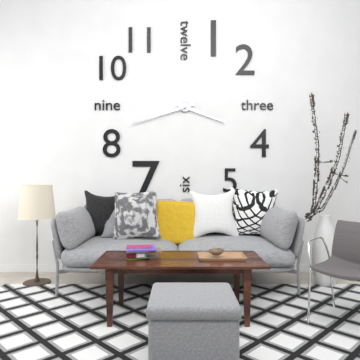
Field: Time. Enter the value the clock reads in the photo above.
3:42
